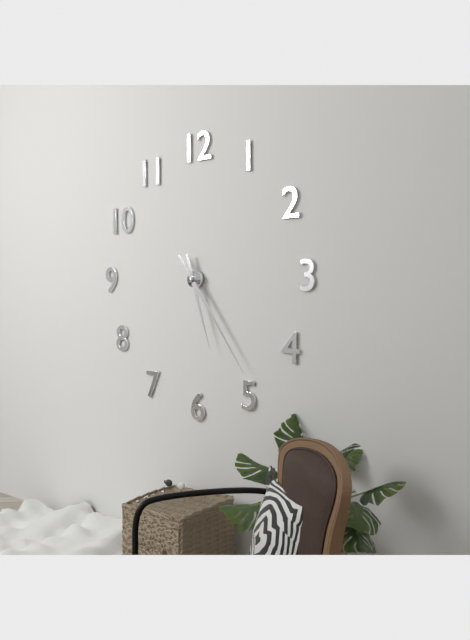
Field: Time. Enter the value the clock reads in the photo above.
5:24
